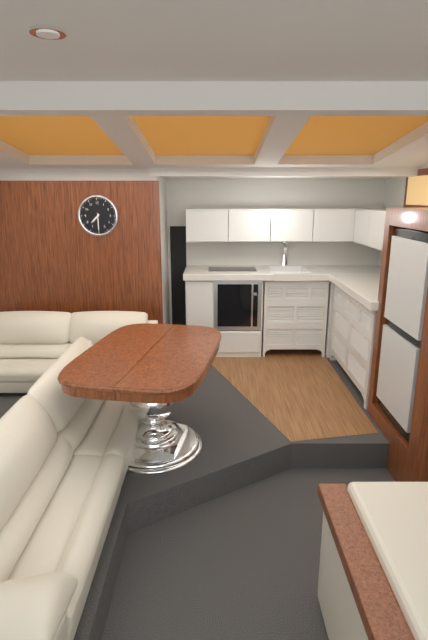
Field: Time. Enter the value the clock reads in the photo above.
7:30
